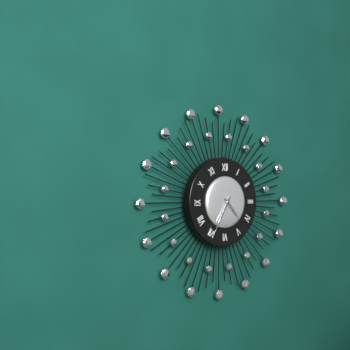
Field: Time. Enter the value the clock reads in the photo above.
4:35
